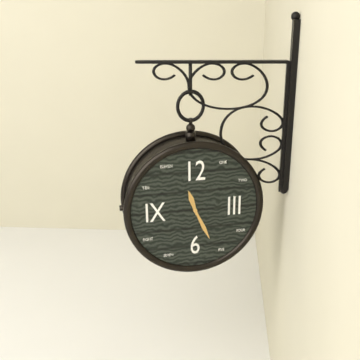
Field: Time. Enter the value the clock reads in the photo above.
11:26
